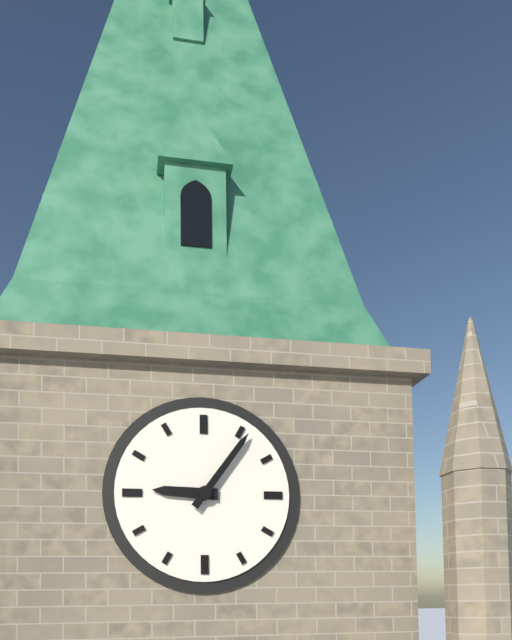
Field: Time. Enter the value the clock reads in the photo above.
9:06
